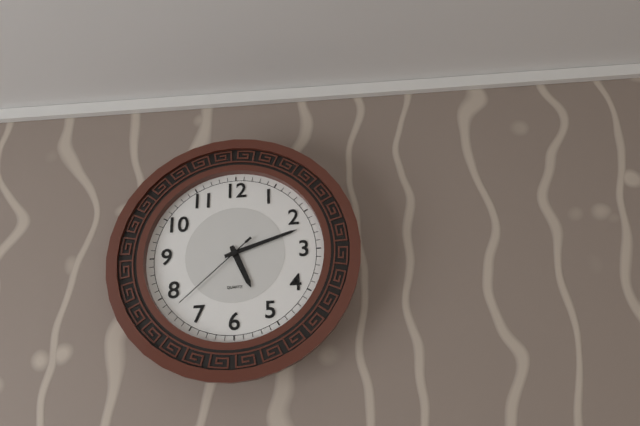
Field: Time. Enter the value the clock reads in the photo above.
5:12:38
